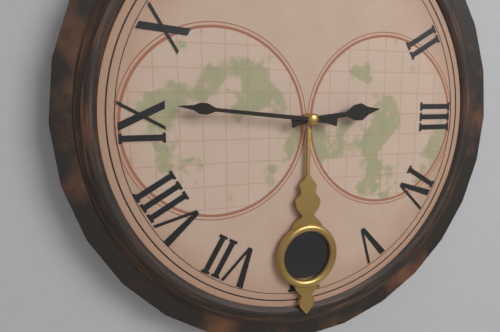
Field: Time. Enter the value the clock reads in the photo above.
2:46
